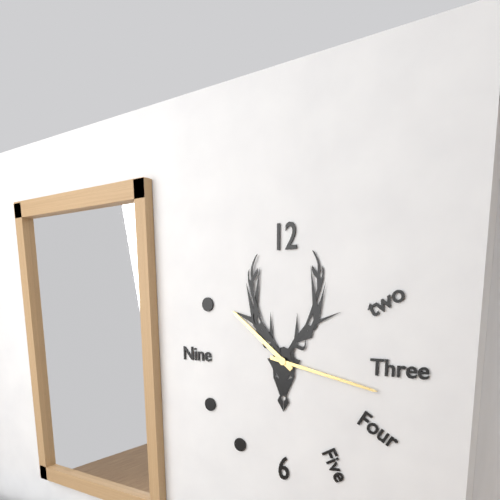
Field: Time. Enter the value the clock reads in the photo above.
10:17
